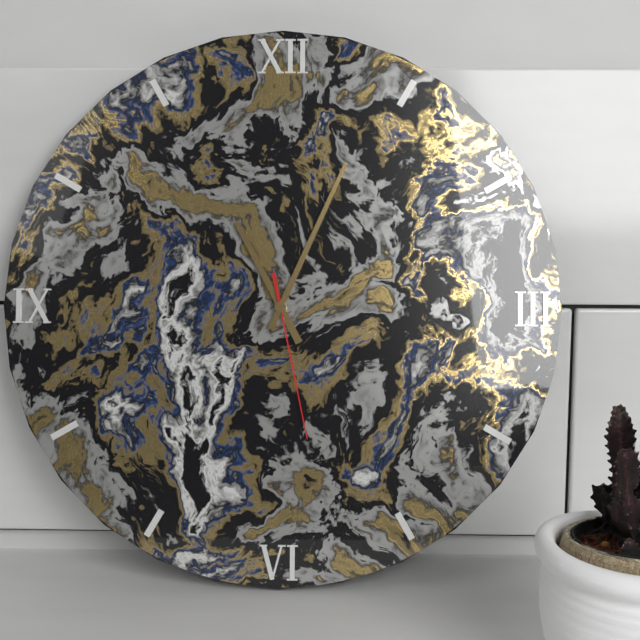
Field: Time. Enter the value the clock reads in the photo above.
11:04:28
